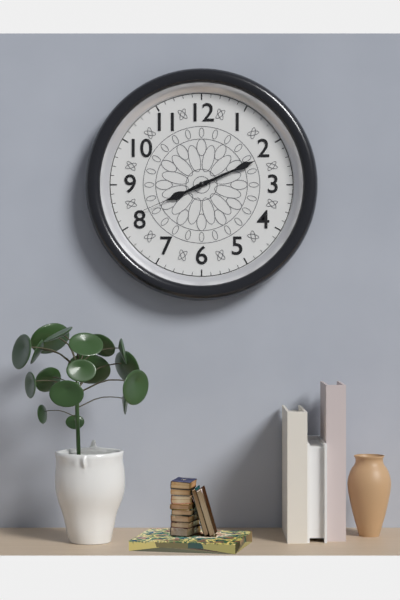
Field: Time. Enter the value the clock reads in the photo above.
8:11:41
